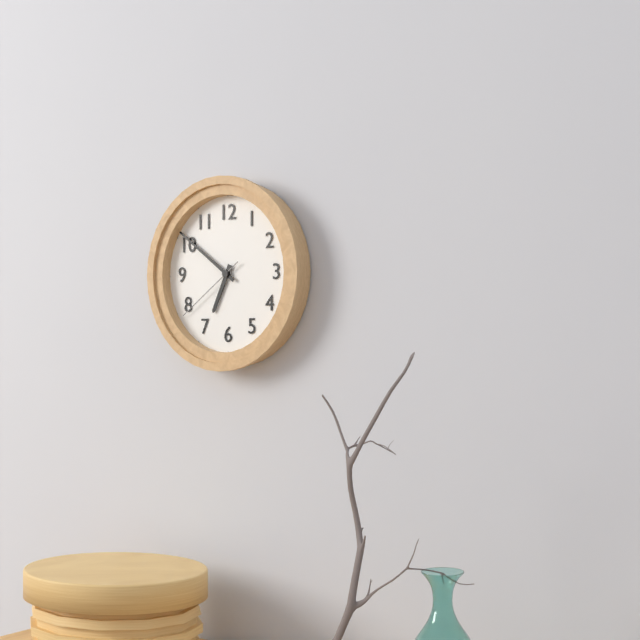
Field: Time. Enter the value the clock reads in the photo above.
6:51:39
